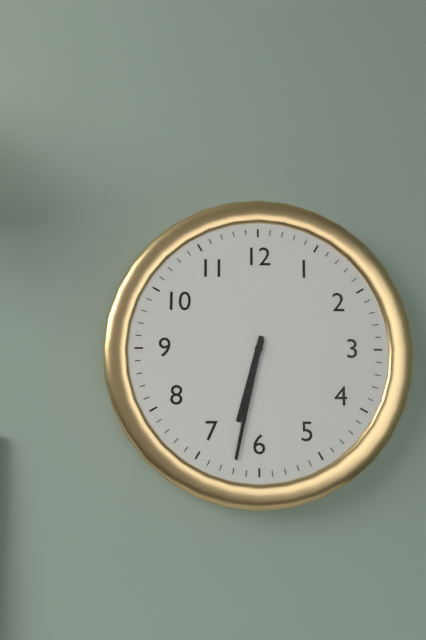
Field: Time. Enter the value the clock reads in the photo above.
6:32
